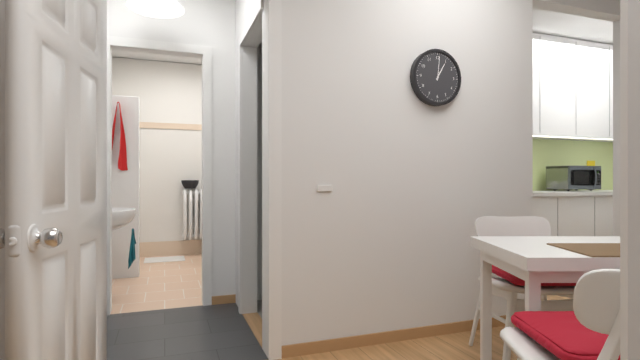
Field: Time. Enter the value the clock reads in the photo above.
1:01
